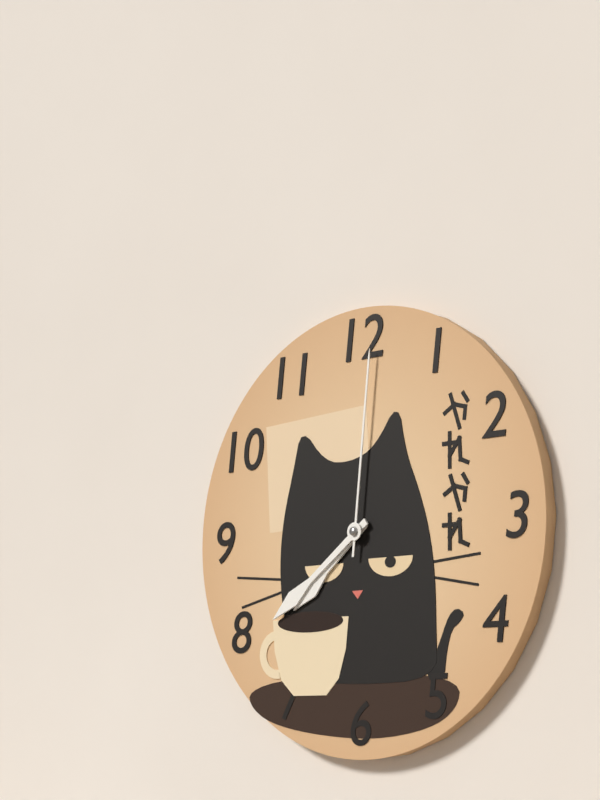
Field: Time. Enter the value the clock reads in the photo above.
7:39:01
